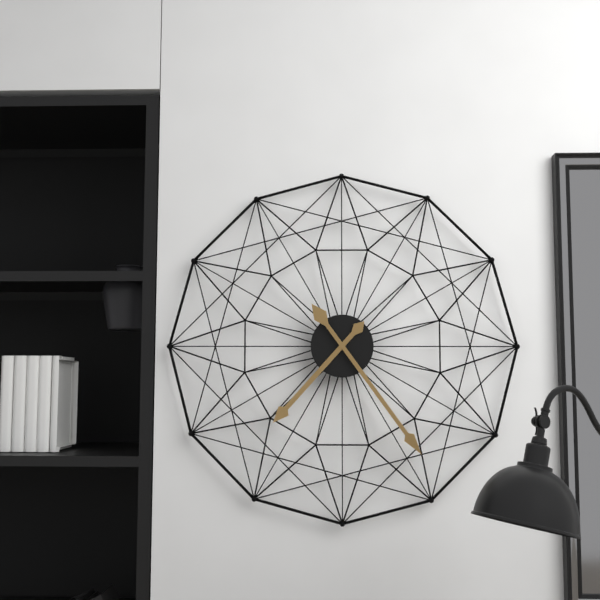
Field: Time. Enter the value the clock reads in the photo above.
7:24
